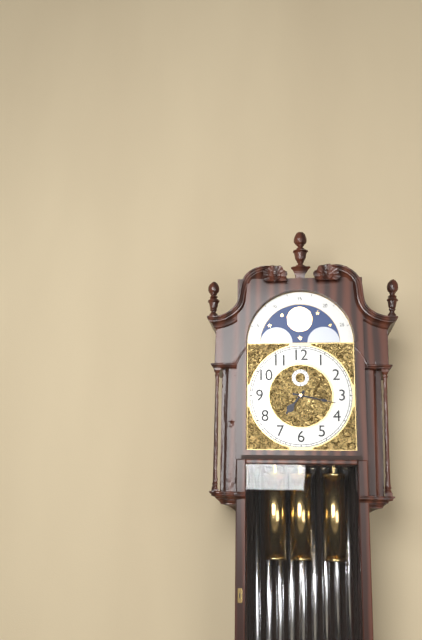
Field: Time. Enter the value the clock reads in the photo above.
7:17
